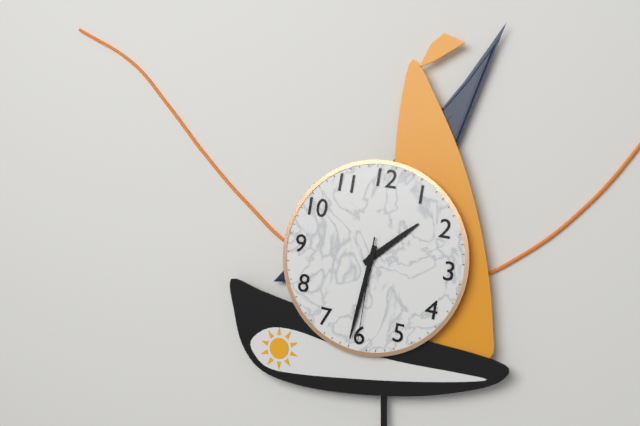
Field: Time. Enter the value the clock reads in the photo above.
1:31:30
